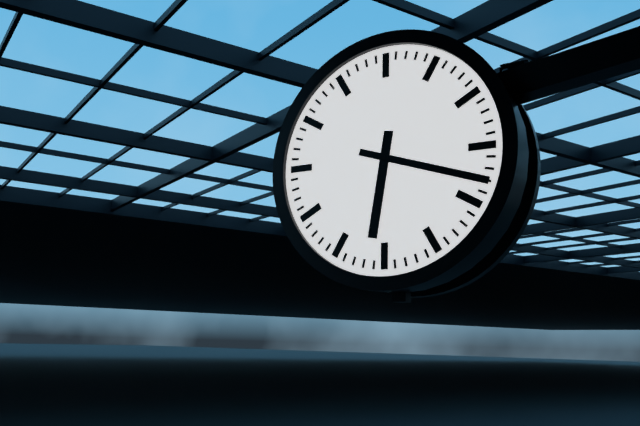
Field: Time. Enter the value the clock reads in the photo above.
6:18
